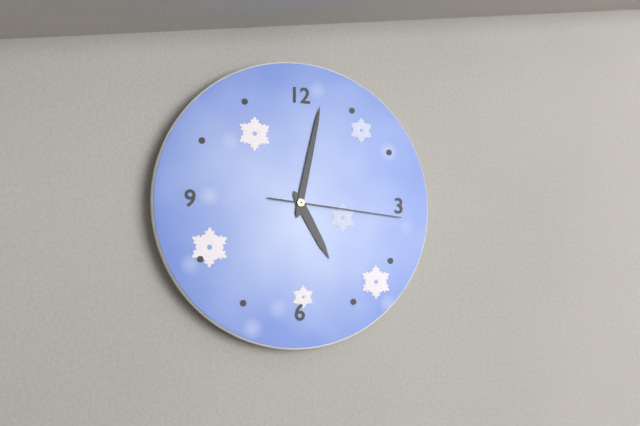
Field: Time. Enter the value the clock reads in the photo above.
5:02:16
